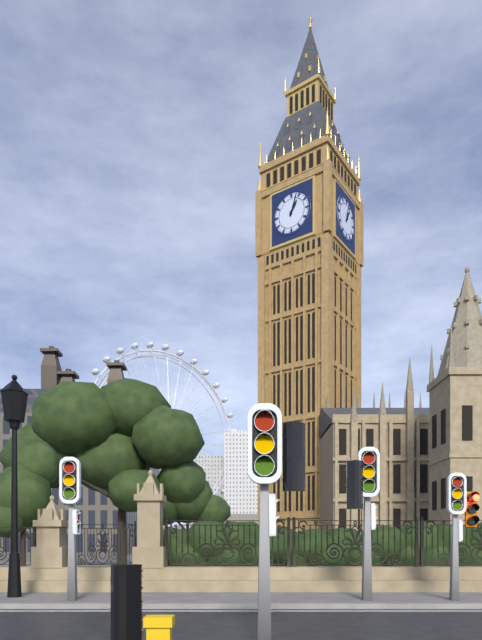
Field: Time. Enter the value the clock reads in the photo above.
1:03
